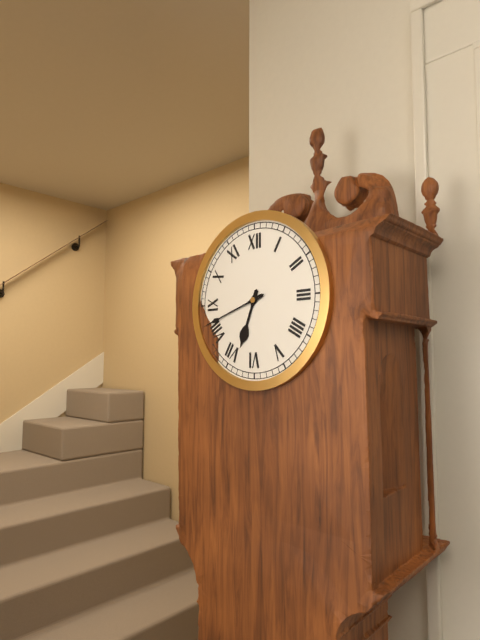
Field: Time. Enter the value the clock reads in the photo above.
6:42
